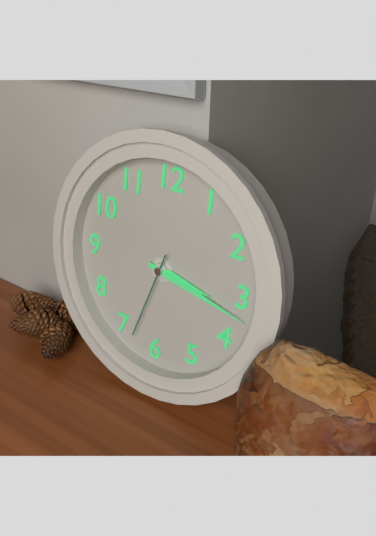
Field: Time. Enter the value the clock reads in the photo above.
3:17:33
